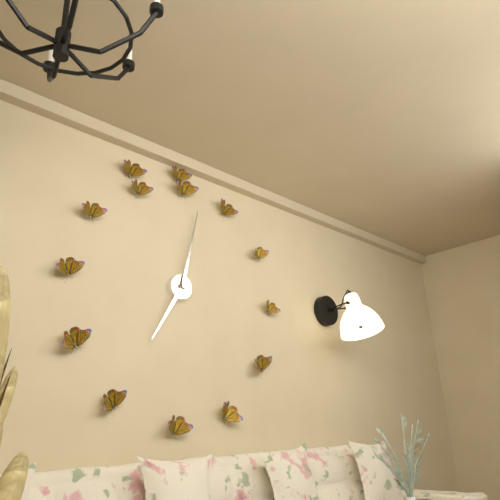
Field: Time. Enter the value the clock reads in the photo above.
7:02
